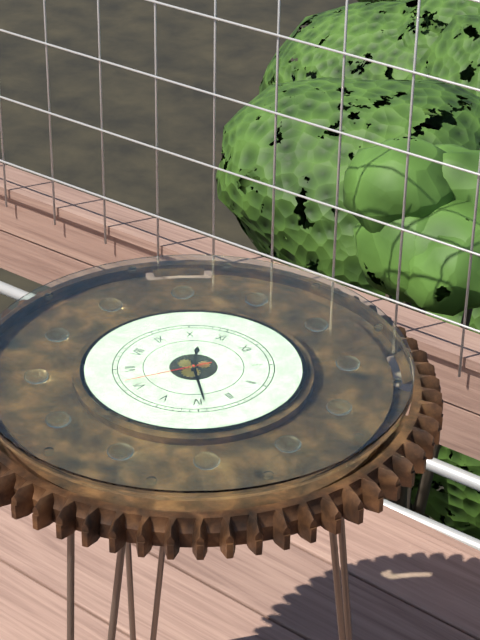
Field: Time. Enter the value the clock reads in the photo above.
10:19:32
